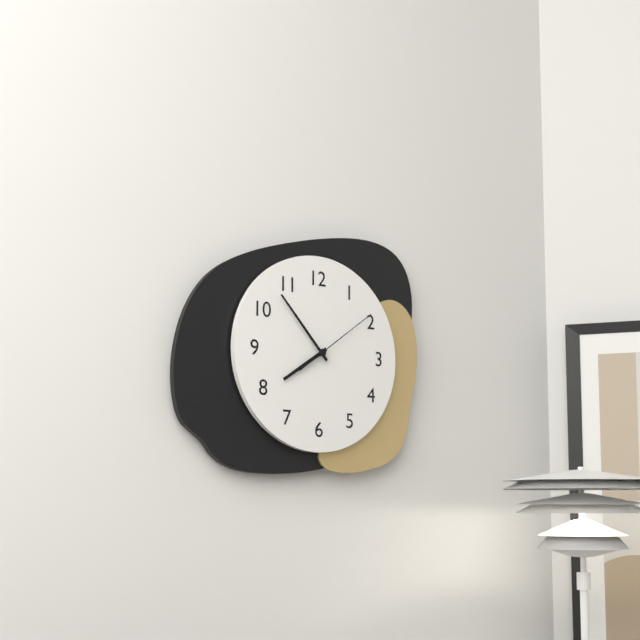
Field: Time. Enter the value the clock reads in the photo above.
7:53:09
